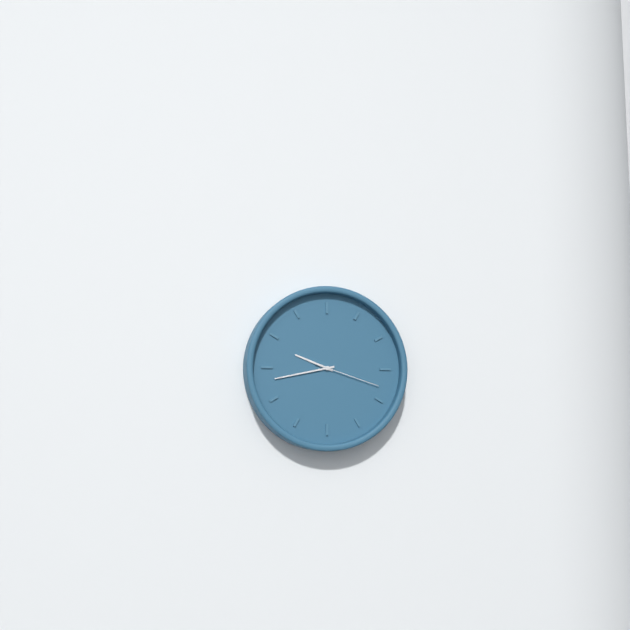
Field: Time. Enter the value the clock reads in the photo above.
9:43:18
